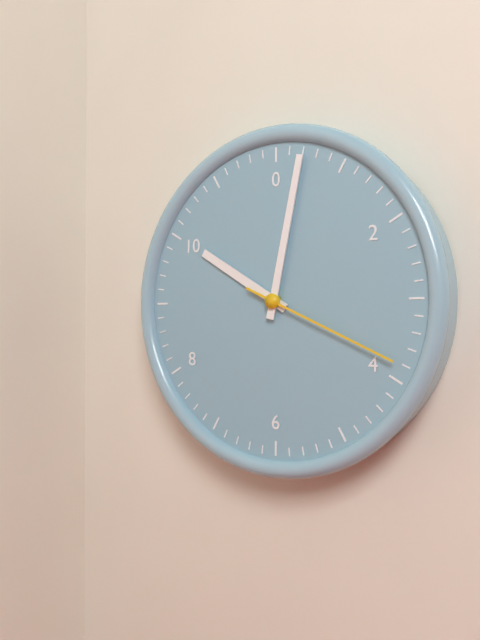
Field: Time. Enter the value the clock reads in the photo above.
10:02:19
